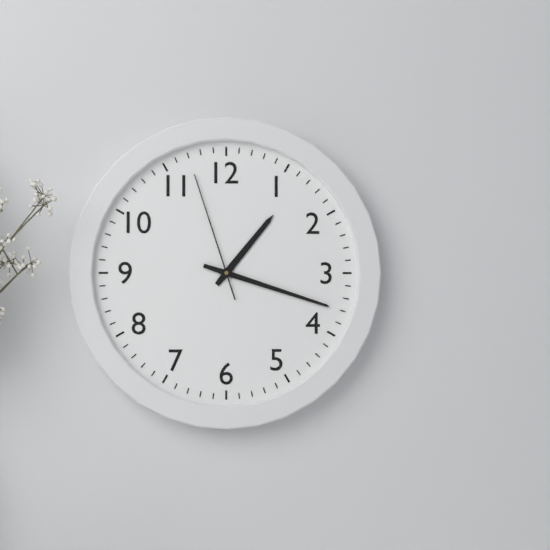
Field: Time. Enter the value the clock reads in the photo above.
1:18:57
